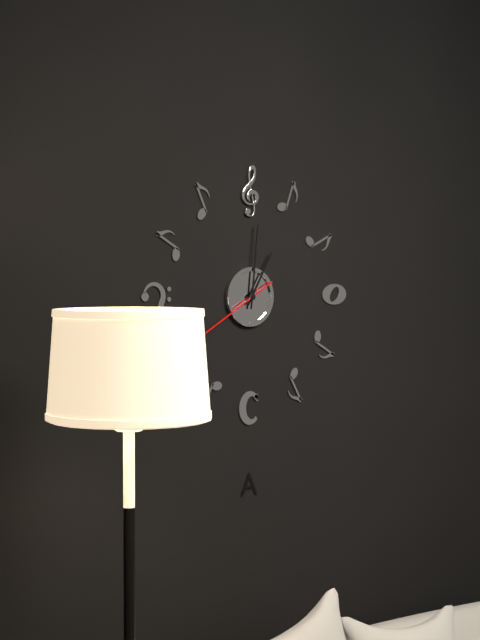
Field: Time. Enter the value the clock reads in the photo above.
1:01:40
